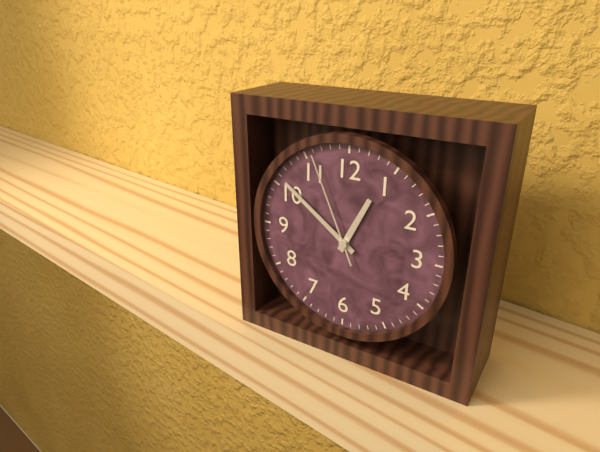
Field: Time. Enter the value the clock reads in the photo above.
12:51:56
